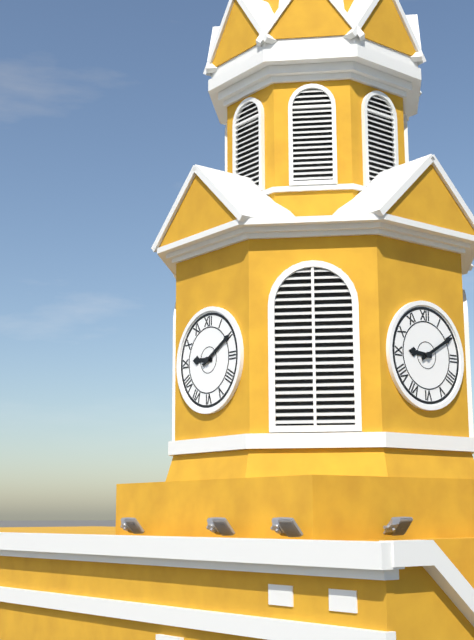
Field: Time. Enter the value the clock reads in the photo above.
9:10
